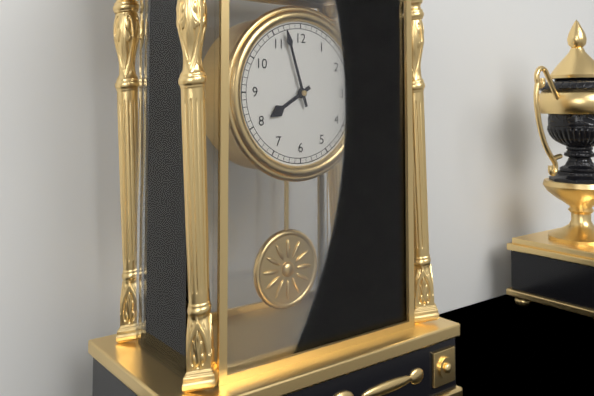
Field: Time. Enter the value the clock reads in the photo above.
7:57
